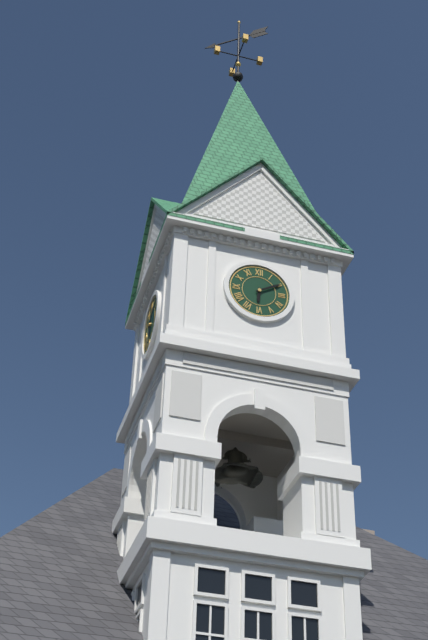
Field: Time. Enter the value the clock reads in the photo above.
6:10
